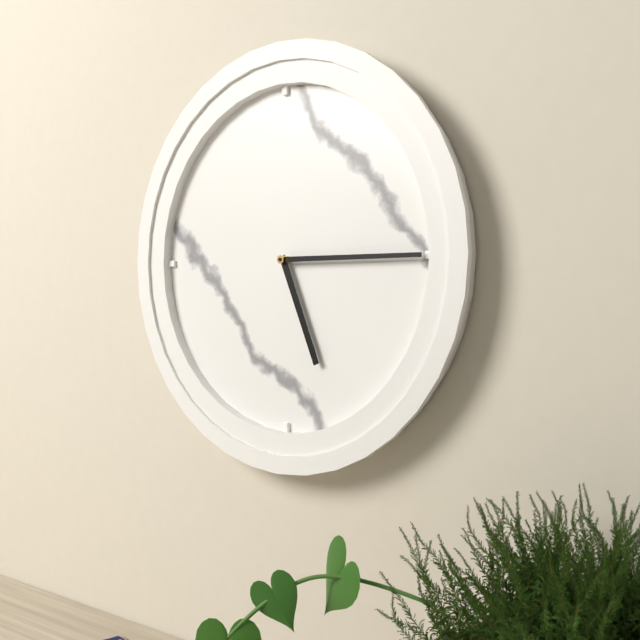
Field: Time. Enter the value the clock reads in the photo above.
5:15
